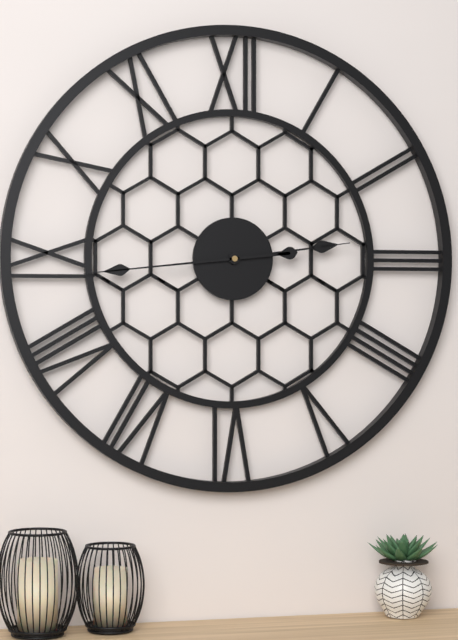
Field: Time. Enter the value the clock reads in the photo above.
2:44
